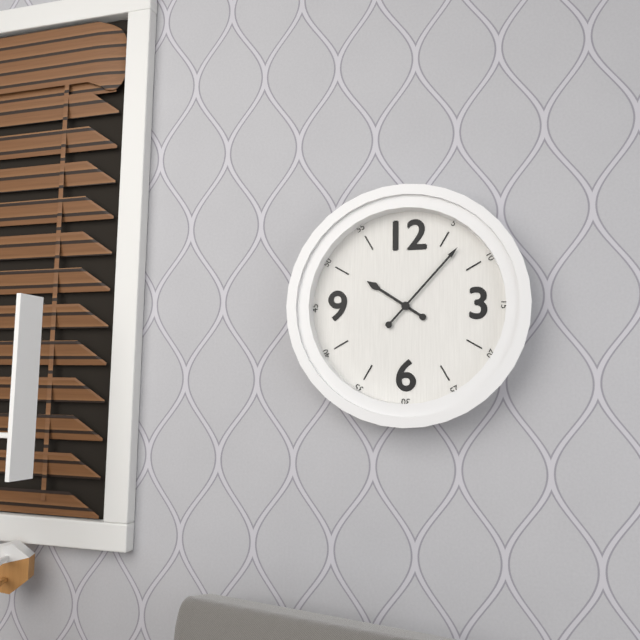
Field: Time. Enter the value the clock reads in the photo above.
10:07
